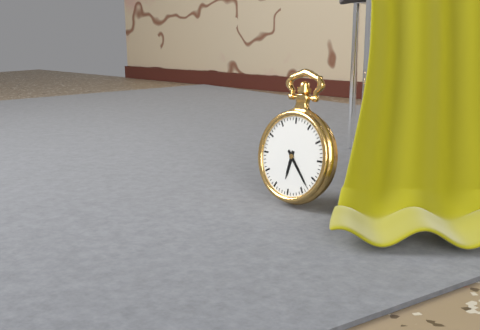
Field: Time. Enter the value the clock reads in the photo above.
6:23
